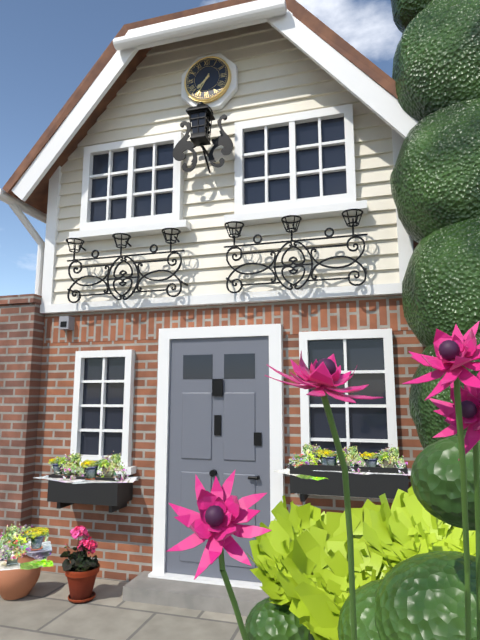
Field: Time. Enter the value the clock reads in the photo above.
7:35
